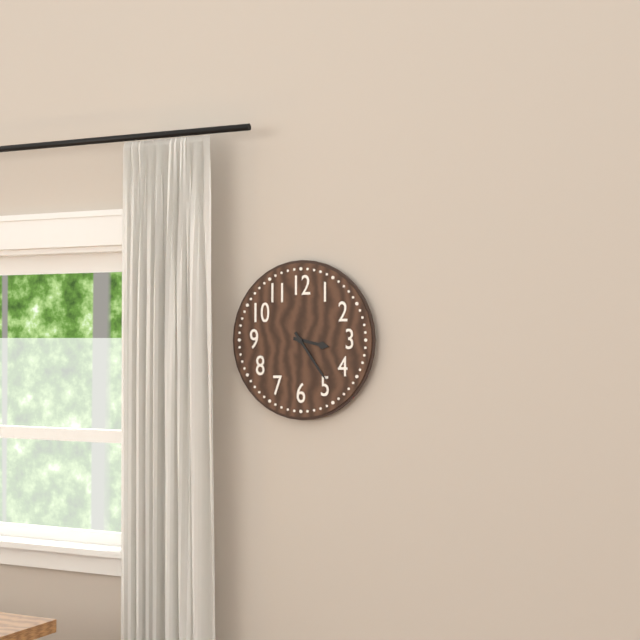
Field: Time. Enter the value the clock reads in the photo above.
3:24
